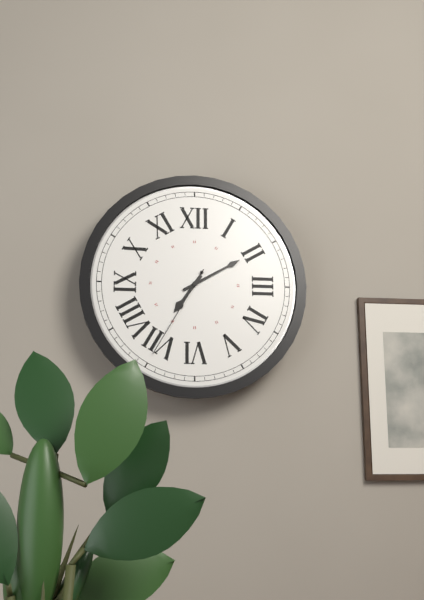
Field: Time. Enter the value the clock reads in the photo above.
7:10:35
